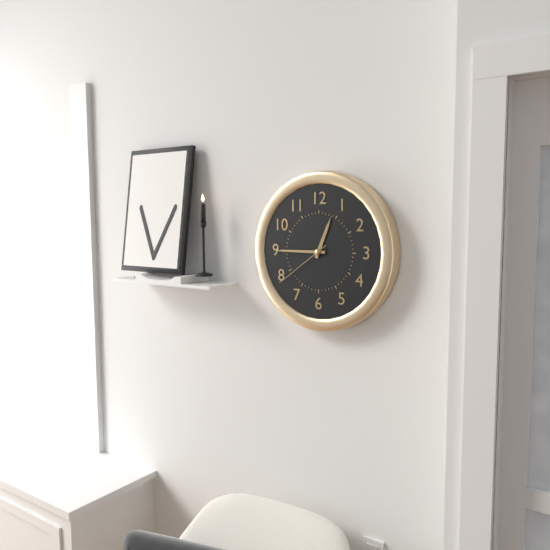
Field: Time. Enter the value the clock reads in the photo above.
12:45:39
